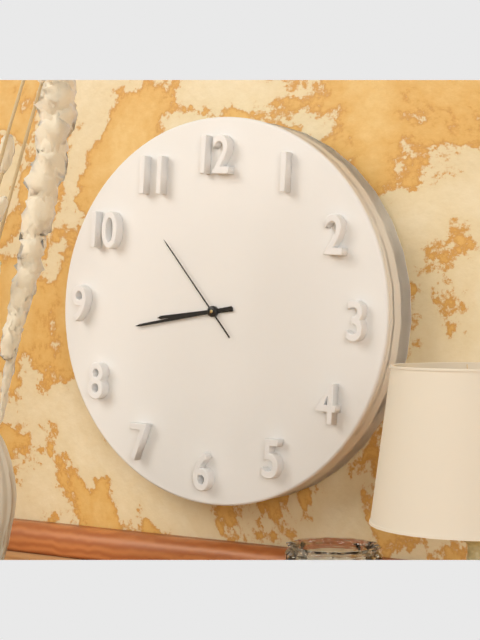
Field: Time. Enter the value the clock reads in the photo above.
8:43:53
